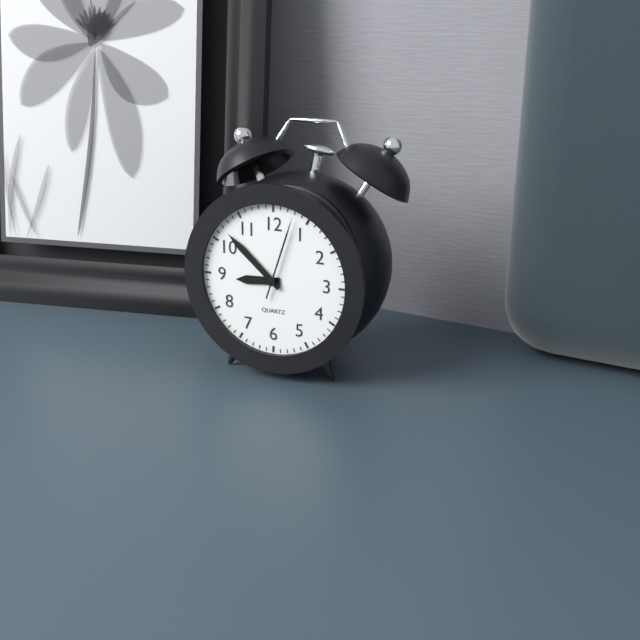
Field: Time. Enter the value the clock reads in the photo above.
8:52:03
